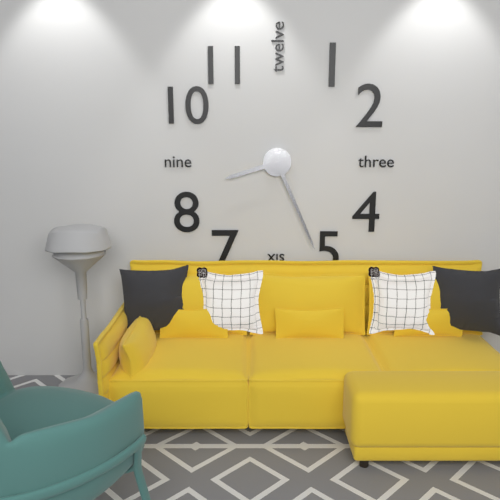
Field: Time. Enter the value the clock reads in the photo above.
8:26
